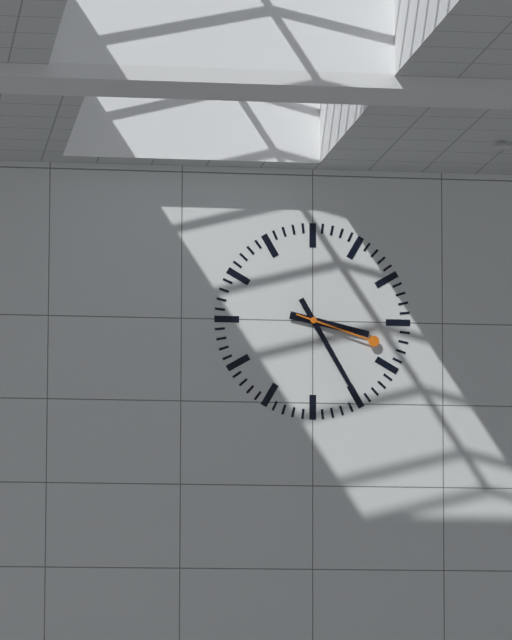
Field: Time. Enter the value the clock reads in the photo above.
3:25:18
